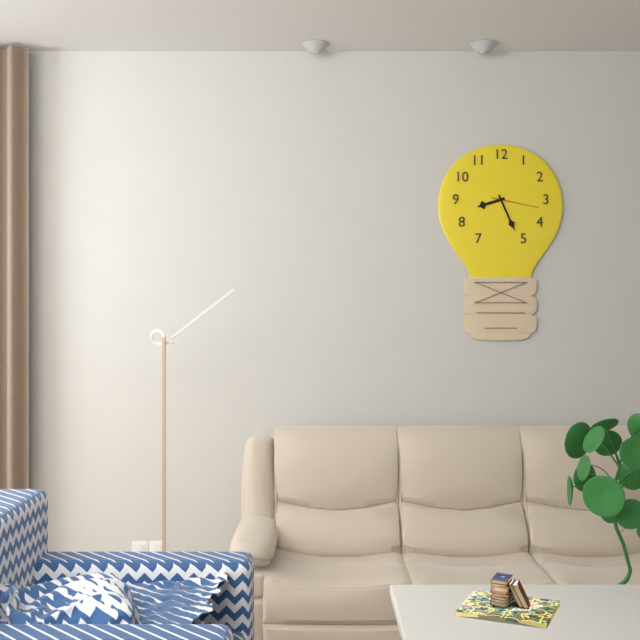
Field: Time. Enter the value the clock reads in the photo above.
8:26
